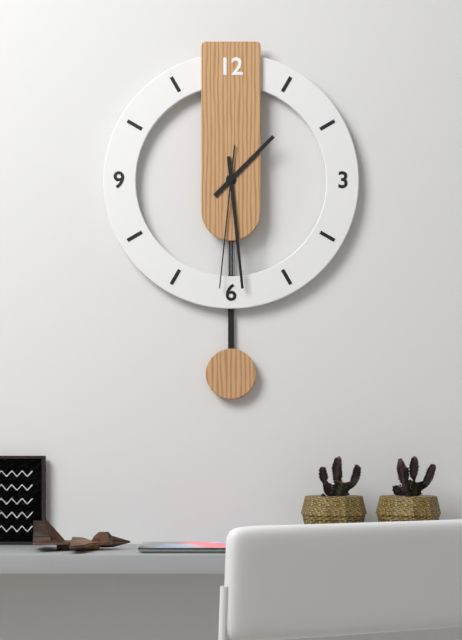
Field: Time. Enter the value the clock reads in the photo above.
1:29:31
